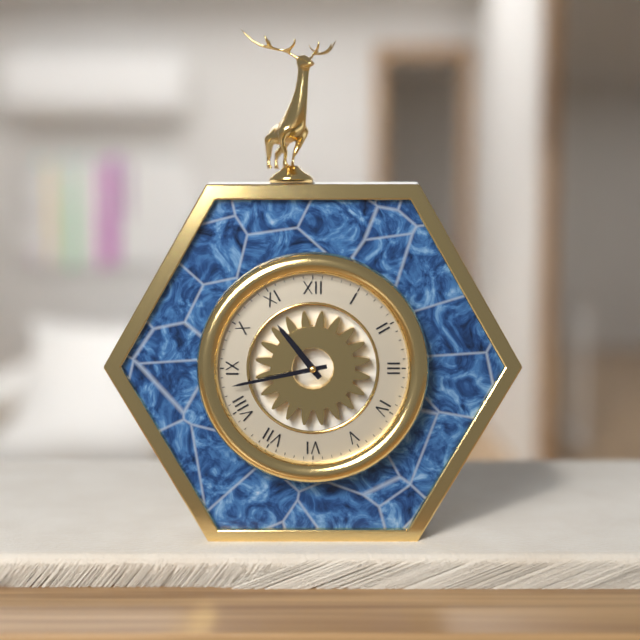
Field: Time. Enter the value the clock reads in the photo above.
10:43
